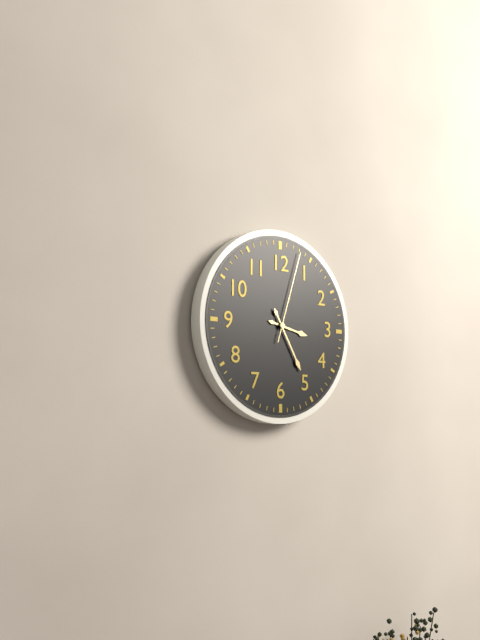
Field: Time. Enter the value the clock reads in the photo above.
3:25:03
